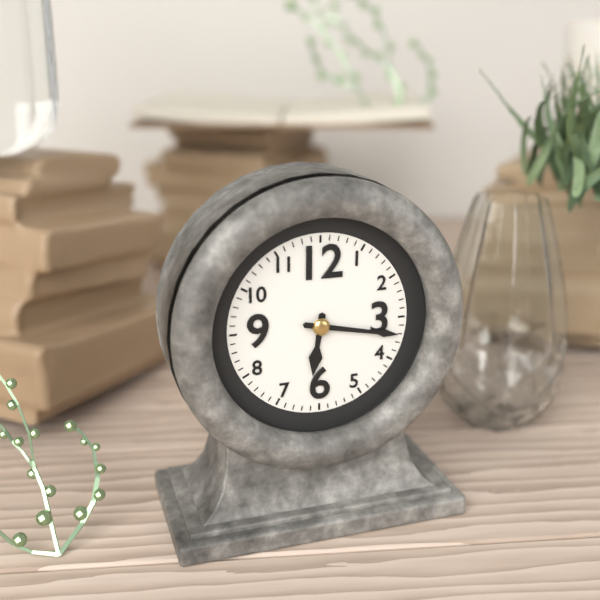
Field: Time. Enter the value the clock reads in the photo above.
6:17
